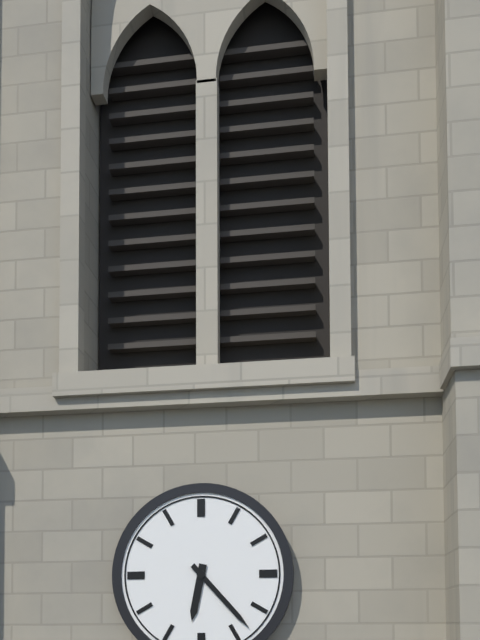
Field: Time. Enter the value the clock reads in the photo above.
6:23
